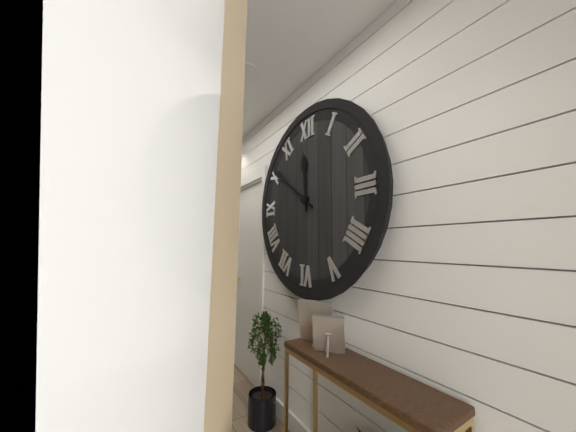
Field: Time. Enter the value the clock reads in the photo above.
11:51
